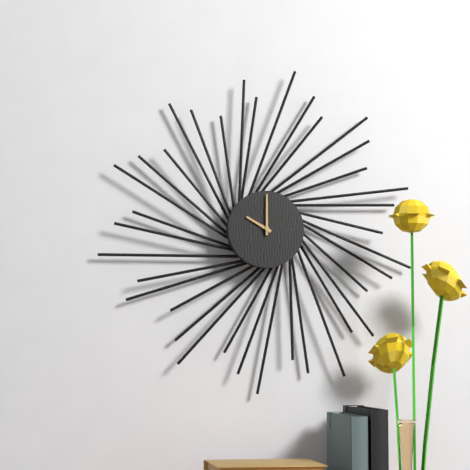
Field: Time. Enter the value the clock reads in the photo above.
10:00
